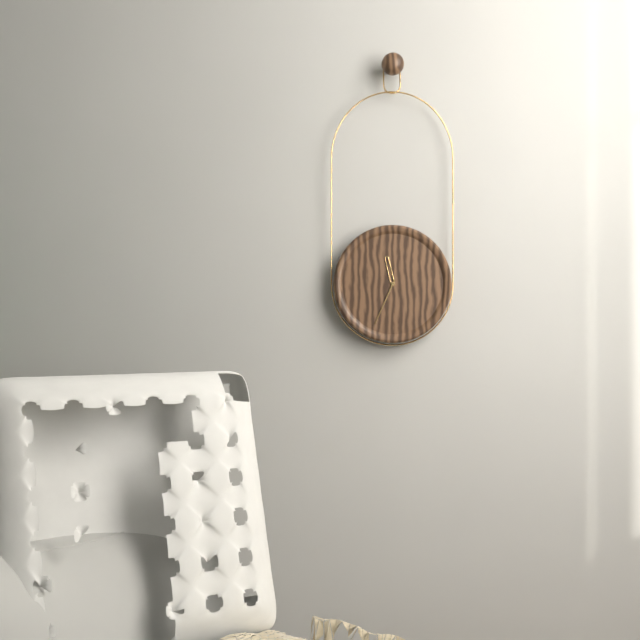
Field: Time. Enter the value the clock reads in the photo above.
11:34
